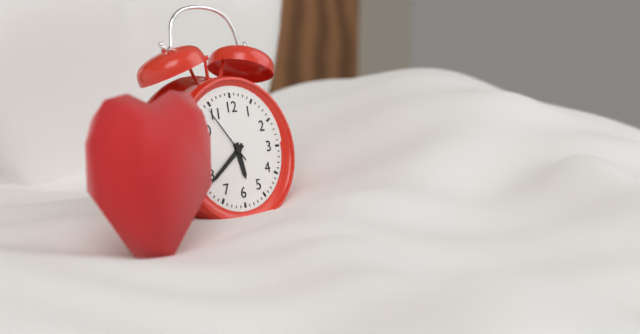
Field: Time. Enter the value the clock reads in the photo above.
5:39:54
